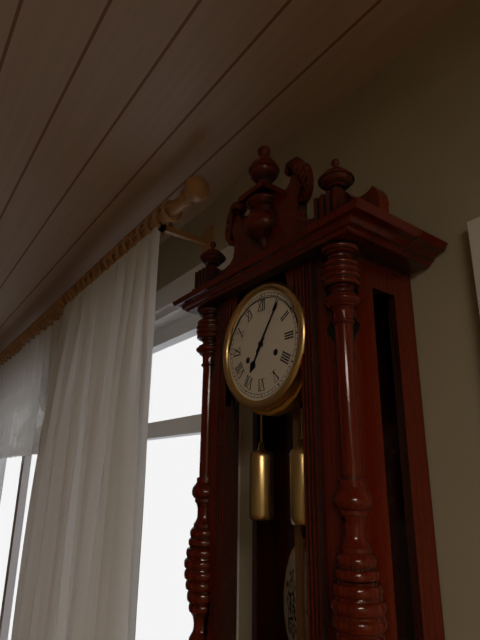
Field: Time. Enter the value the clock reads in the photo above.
7:06
